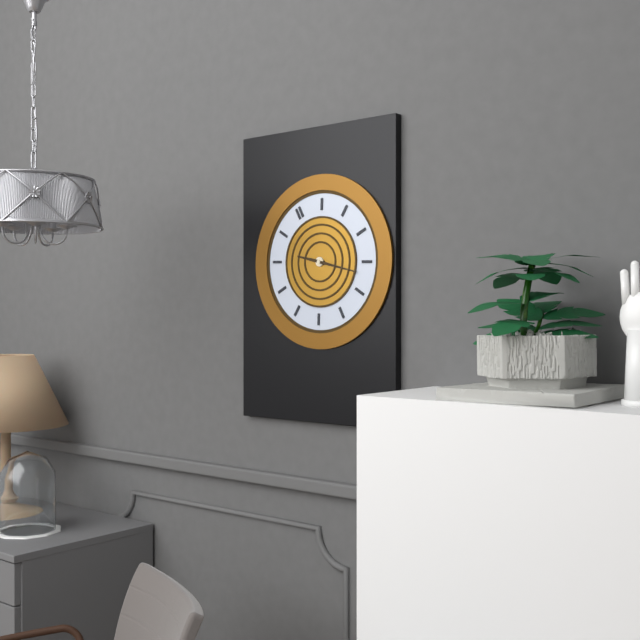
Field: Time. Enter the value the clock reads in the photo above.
10:22
